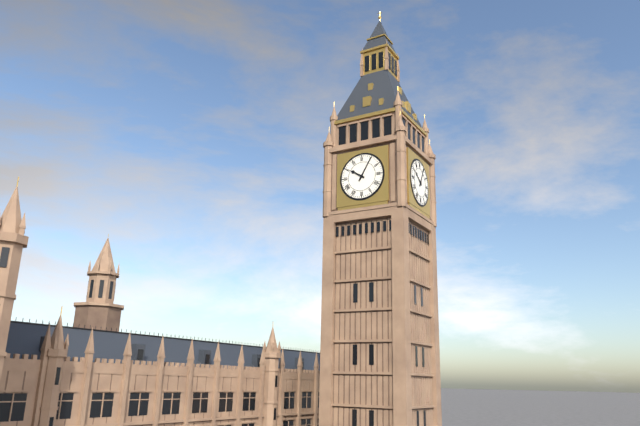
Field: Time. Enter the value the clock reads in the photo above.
10:05
